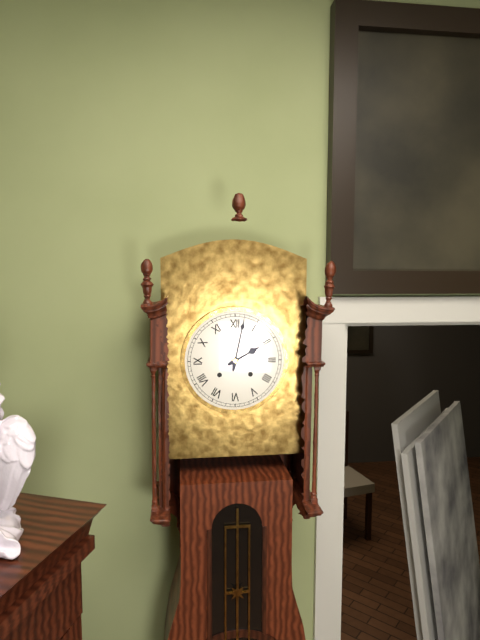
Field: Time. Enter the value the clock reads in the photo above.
2:02
